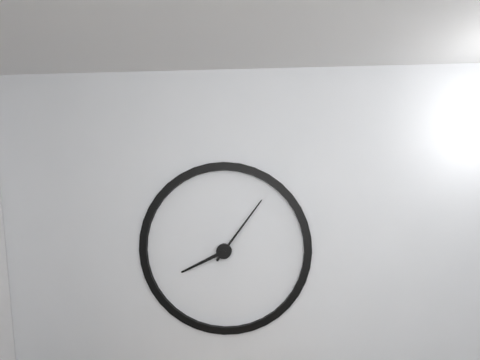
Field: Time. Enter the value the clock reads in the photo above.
8:06
